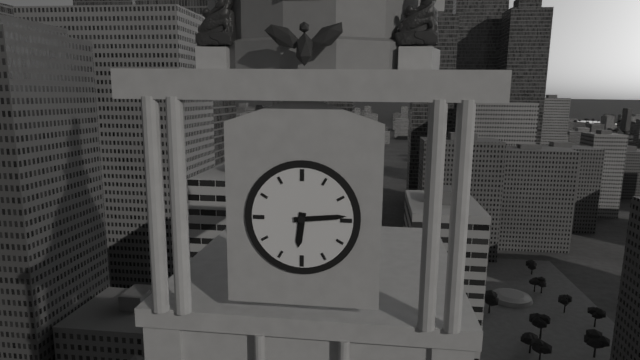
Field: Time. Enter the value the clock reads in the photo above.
6:14
